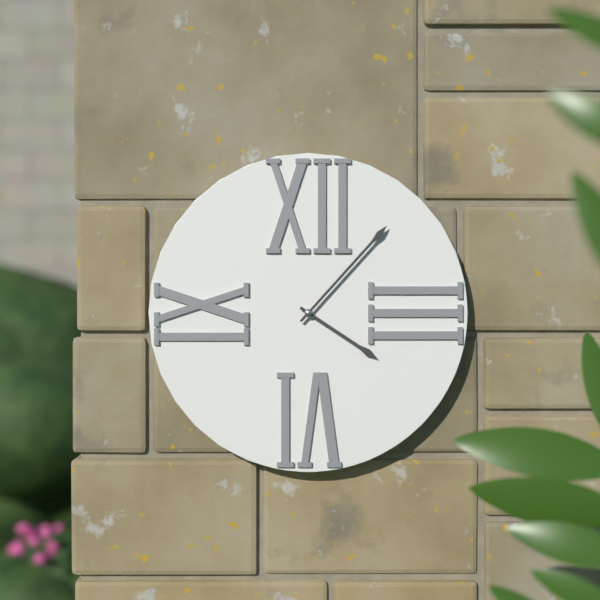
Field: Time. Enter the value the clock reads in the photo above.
4:07
